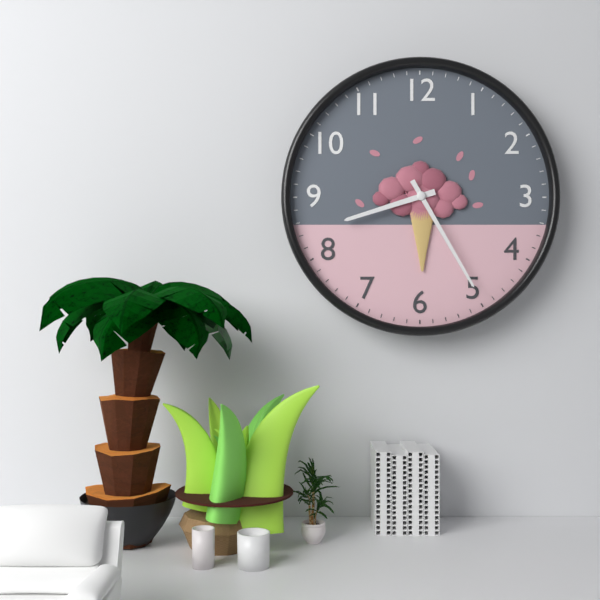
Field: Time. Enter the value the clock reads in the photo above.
8:25
